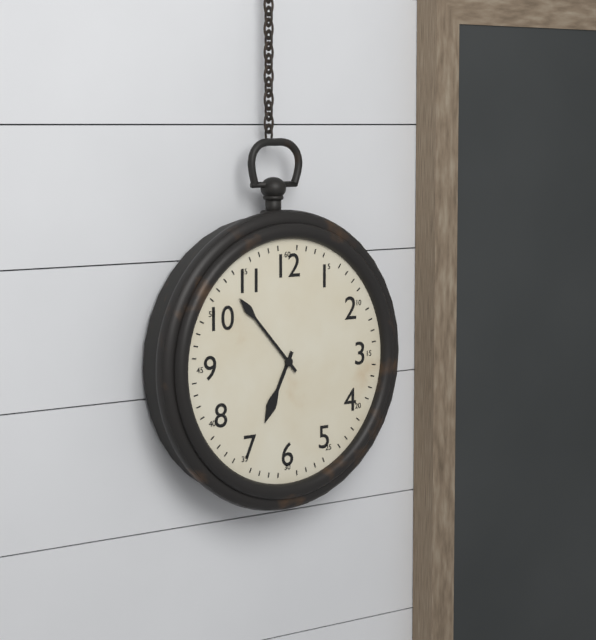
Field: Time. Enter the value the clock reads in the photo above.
6:53
